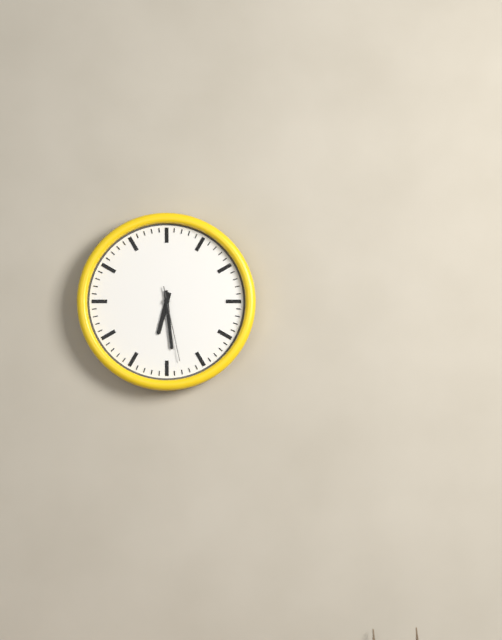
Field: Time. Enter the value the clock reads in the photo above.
6:29:28
